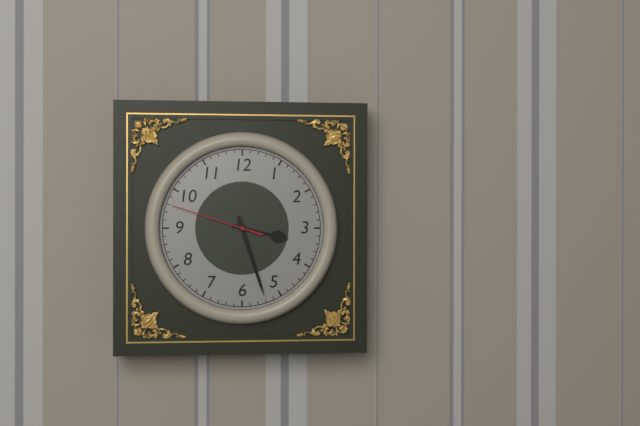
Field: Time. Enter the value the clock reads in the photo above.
3:27:48
